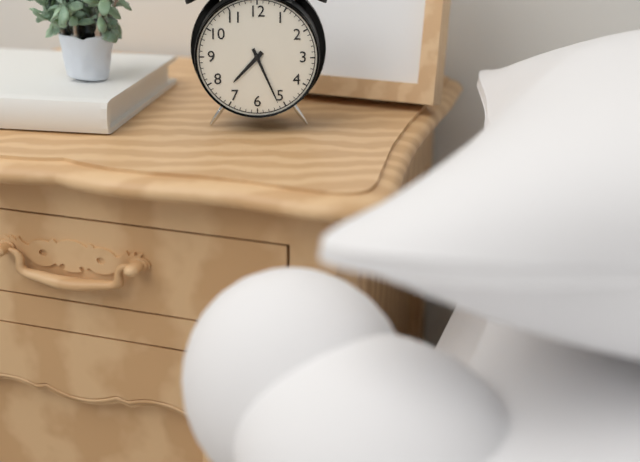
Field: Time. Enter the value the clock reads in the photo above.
7:26
